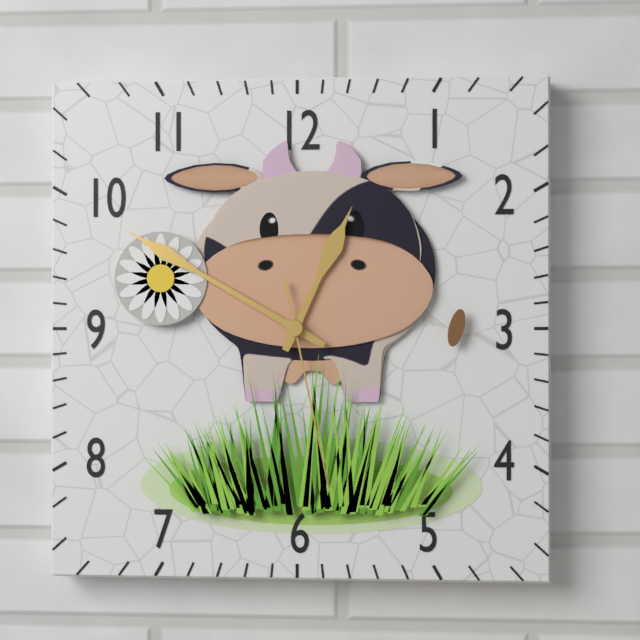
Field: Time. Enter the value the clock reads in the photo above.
12:50:28
